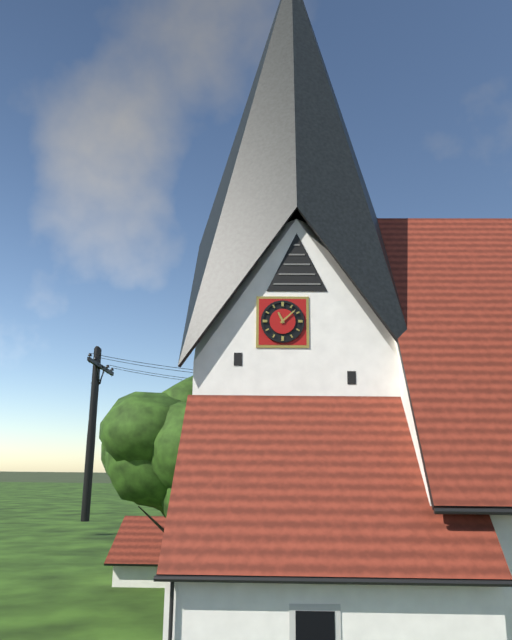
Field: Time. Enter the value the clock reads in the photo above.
11:08
